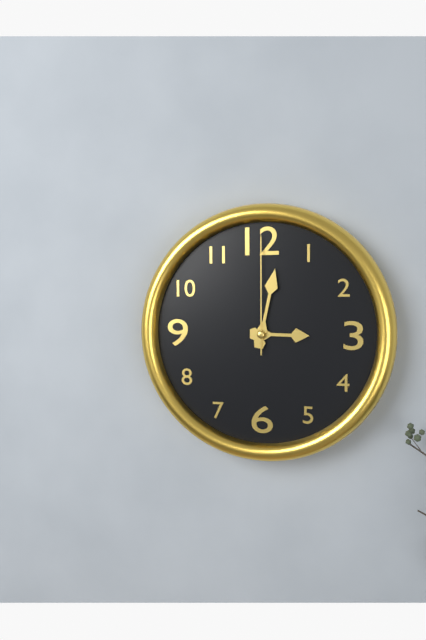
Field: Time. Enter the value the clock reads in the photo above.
3:02:00
